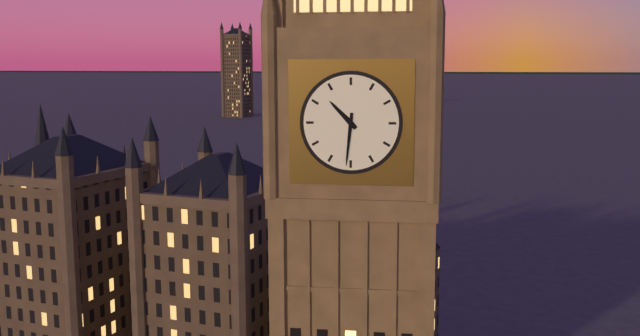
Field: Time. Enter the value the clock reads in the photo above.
10:31
